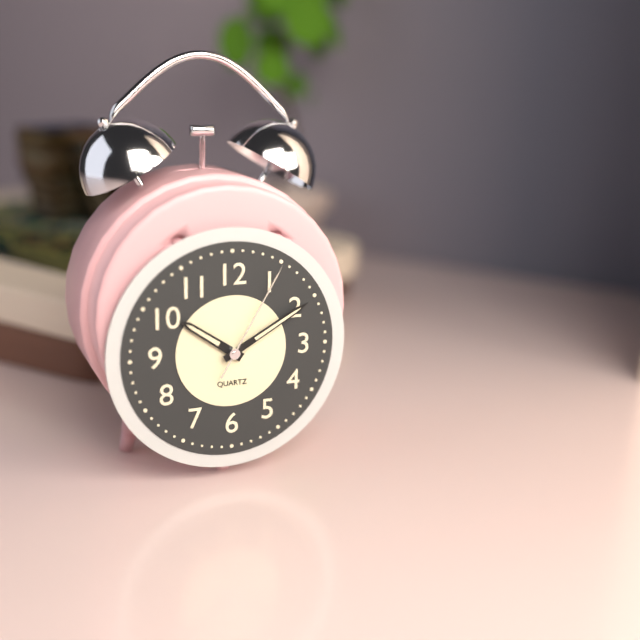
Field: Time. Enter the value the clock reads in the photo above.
10:10:05
